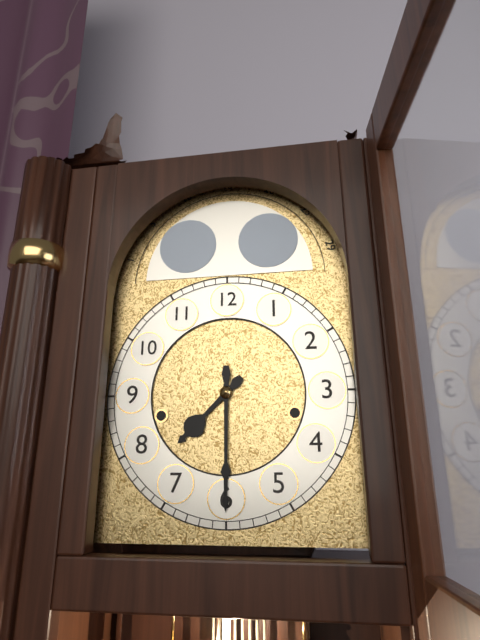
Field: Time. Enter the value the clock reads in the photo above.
7:30
